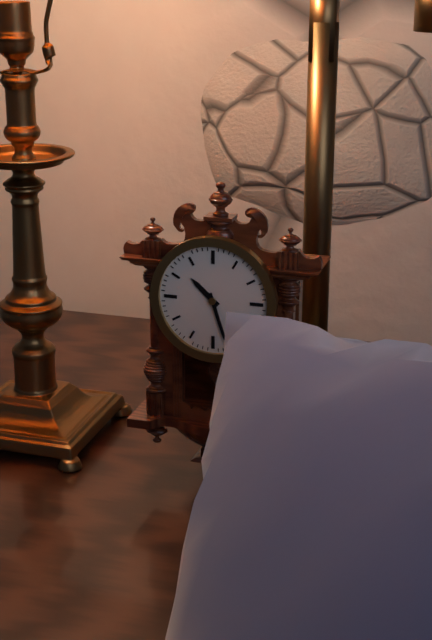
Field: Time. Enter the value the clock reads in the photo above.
10:27
